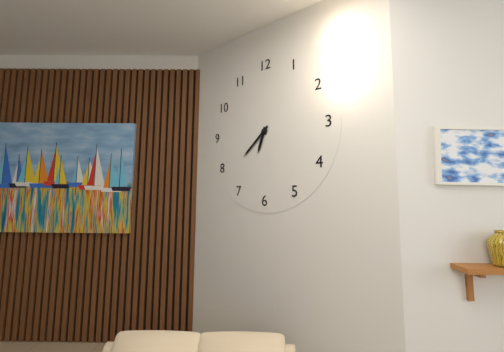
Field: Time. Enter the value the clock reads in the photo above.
6:38
